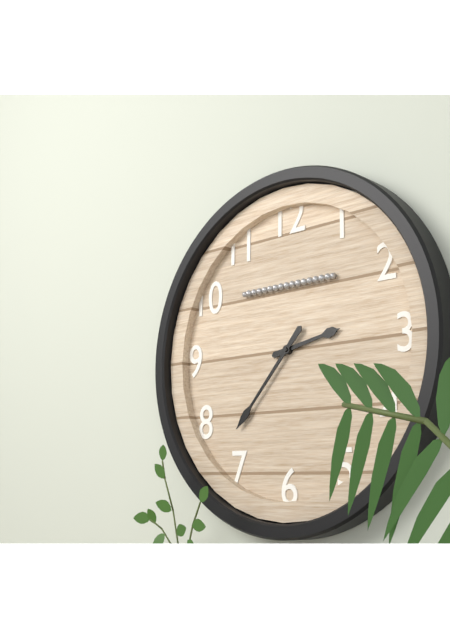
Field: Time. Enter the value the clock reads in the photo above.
2:37
